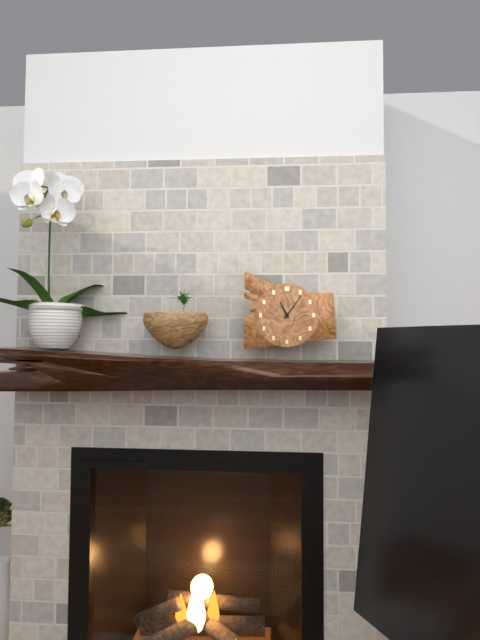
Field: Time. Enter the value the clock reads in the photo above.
11:06
